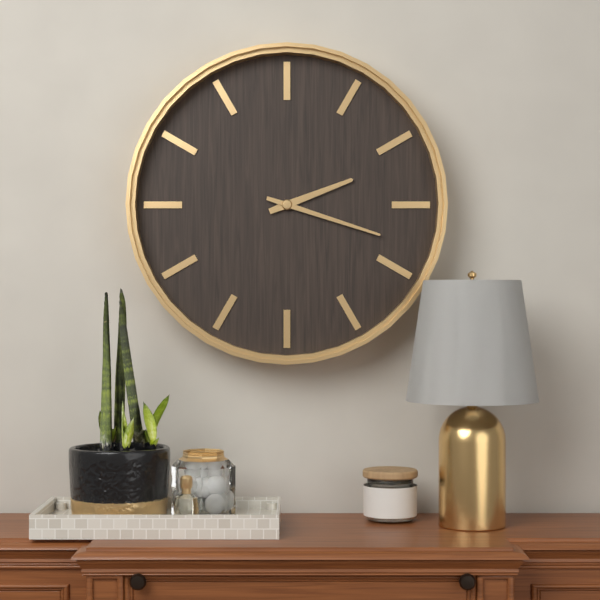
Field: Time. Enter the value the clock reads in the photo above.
2:18
